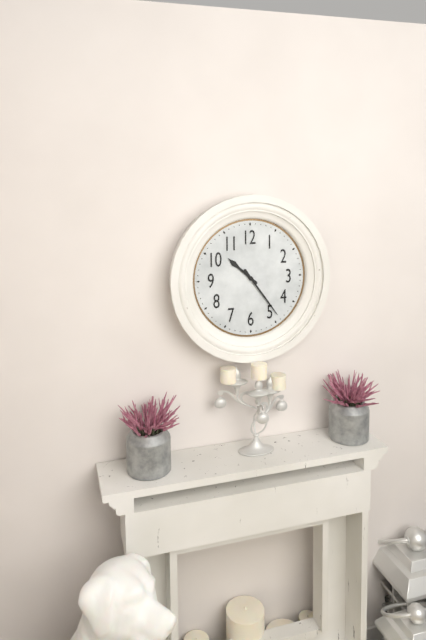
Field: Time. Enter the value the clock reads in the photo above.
10:24
